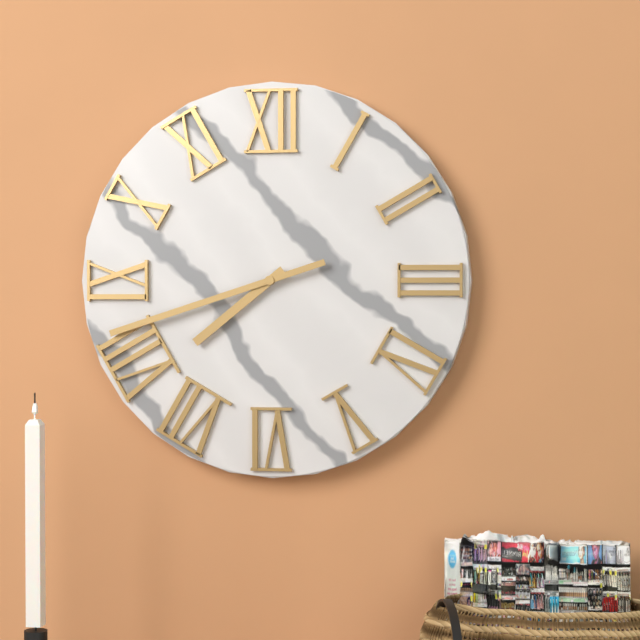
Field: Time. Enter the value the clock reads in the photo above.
7:42
